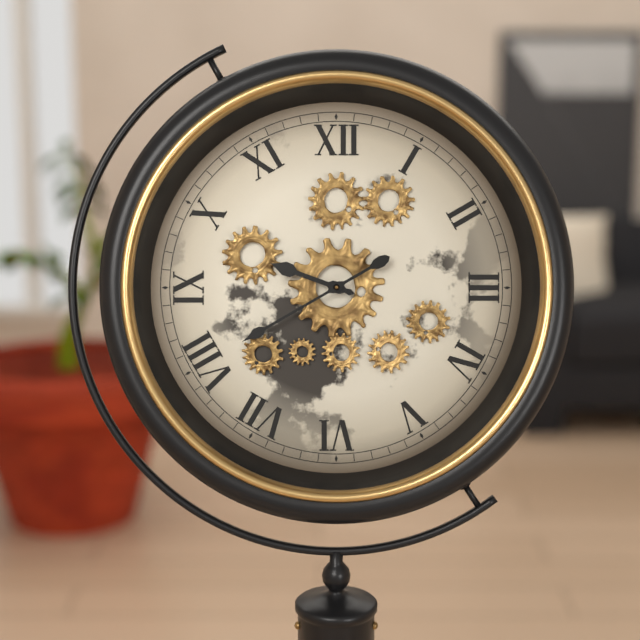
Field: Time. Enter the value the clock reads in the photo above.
9:40
